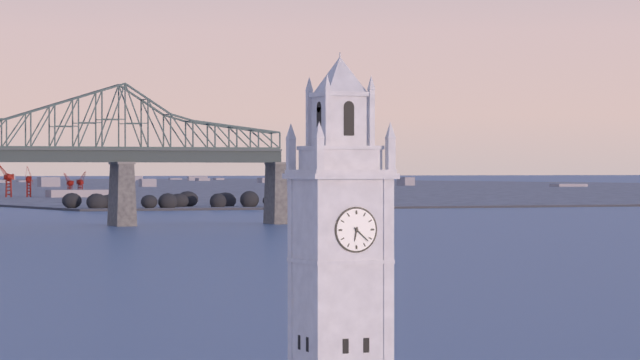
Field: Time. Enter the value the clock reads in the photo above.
6:22
